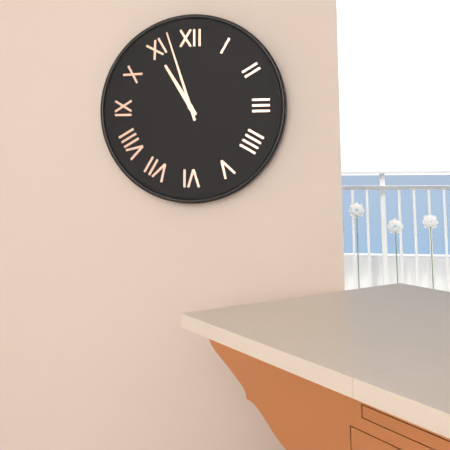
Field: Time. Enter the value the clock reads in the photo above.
10:57
